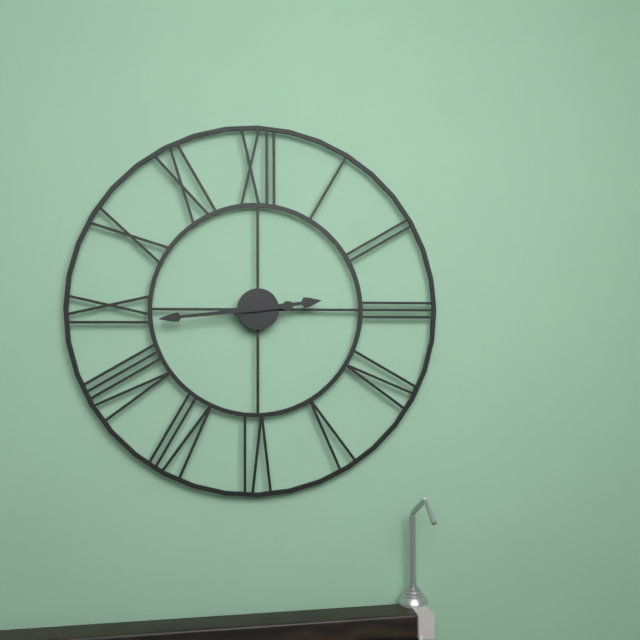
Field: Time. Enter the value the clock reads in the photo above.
2:44
